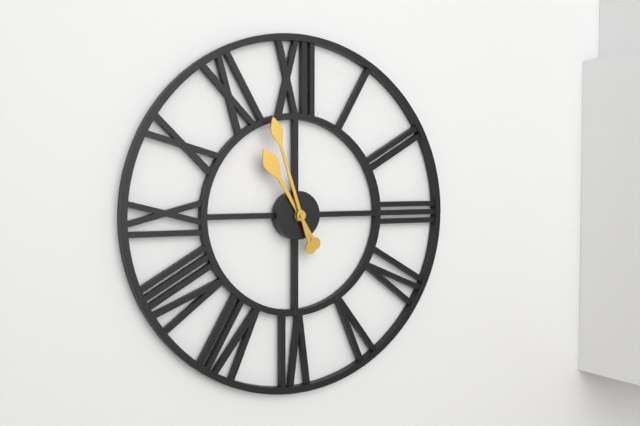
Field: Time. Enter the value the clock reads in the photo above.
10:57
